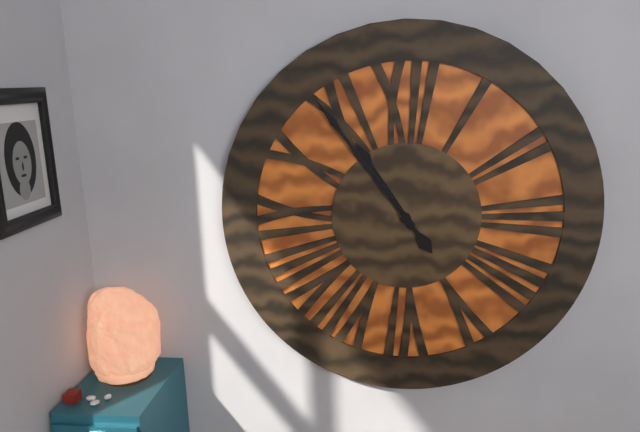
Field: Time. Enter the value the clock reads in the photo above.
10:54
